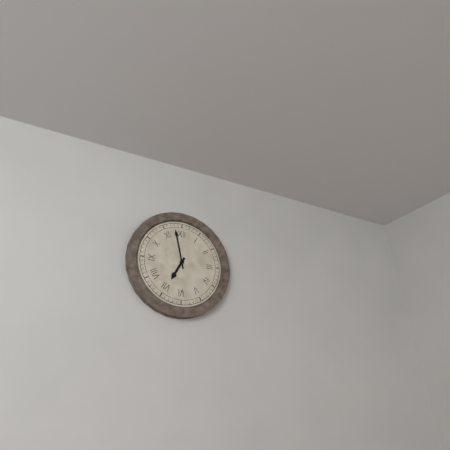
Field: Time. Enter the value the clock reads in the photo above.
6:58
